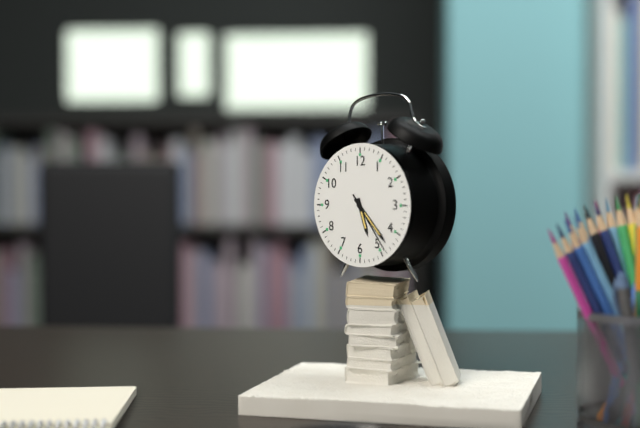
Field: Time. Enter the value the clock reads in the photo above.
5:23:24
